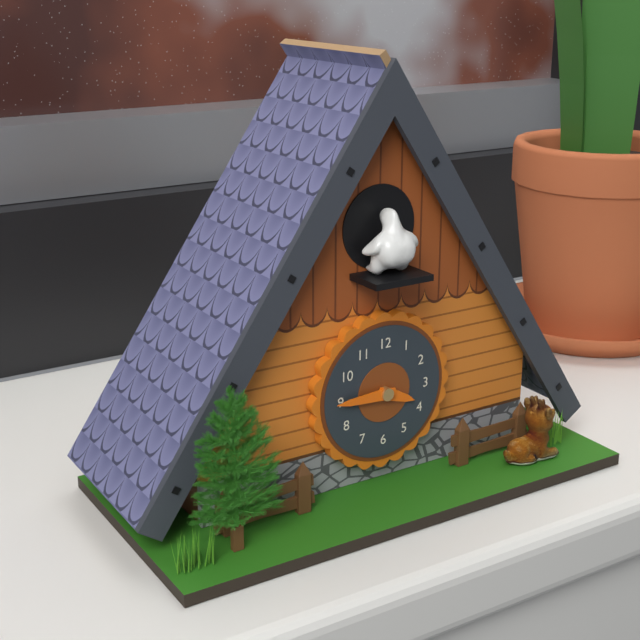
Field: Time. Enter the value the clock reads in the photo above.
3:45
